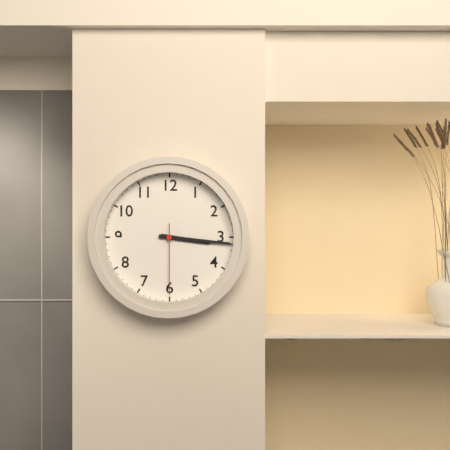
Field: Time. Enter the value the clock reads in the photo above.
3:16:30
